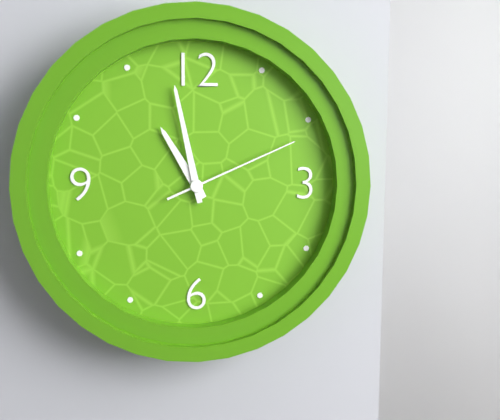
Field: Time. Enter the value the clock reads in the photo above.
10:58:11
